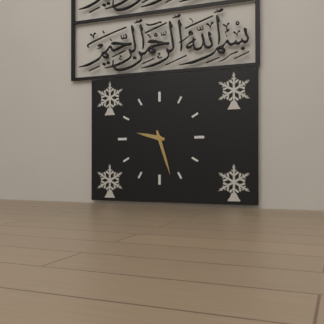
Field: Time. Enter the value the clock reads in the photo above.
9:27
